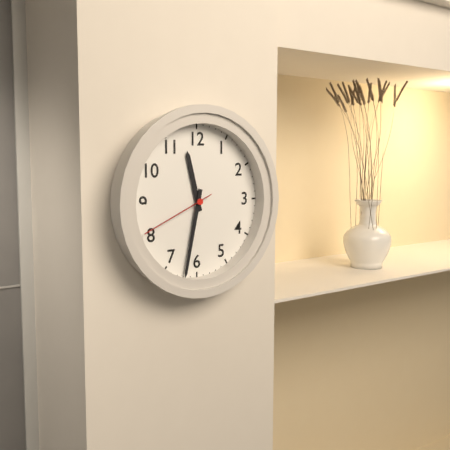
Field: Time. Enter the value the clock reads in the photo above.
11:32:41
